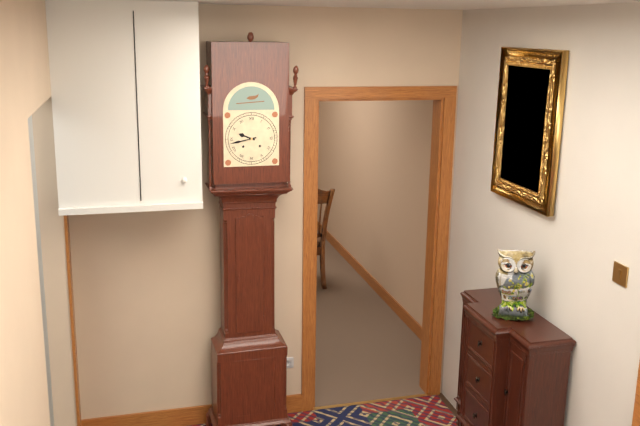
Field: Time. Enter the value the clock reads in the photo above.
9:43
